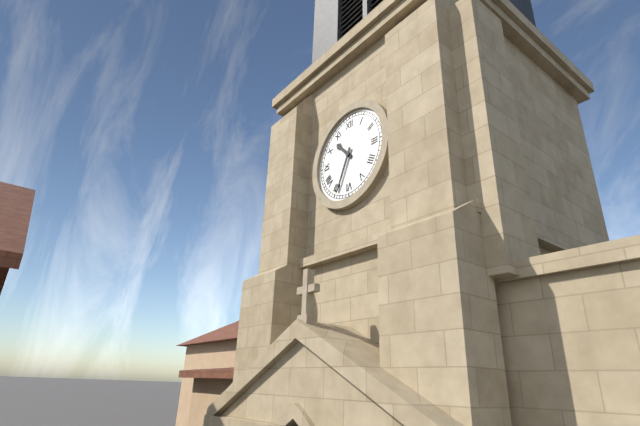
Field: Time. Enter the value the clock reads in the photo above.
10:34
